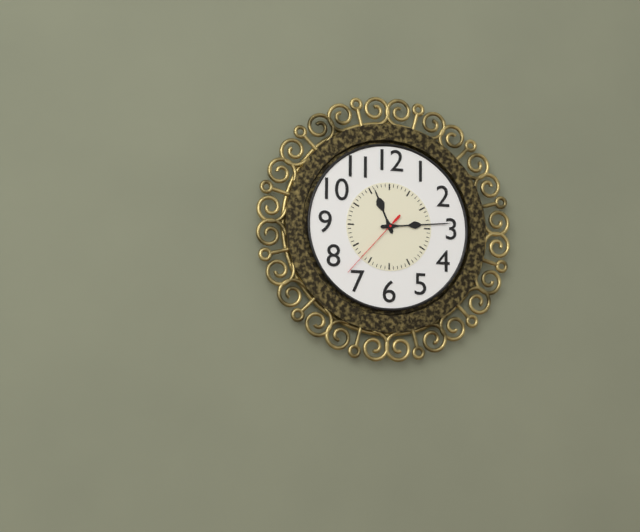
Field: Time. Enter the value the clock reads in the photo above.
11:14:37
